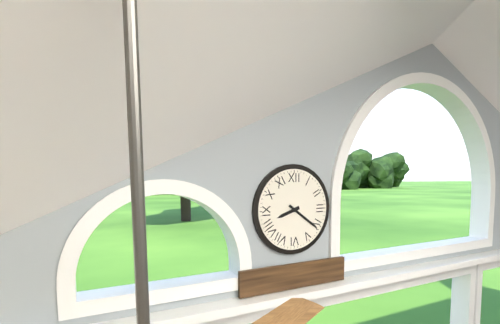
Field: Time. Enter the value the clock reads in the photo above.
8:21
